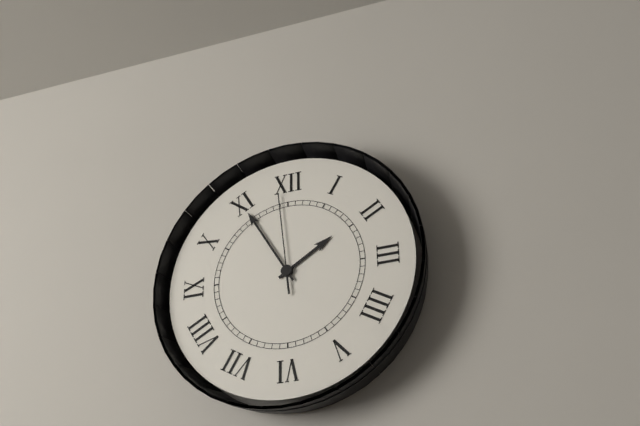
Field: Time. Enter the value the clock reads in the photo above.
1:55:59
